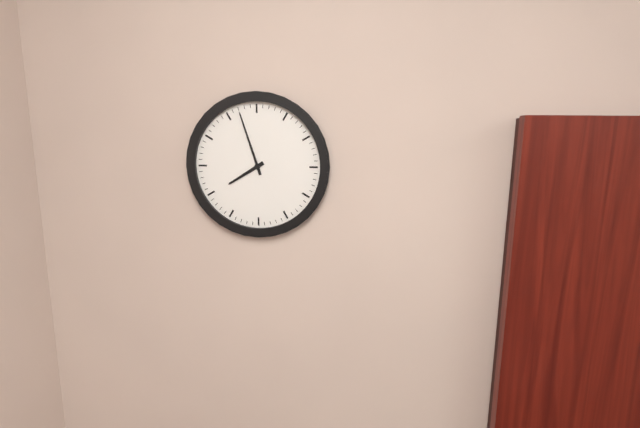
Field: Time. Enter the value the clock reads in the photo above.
7:57
